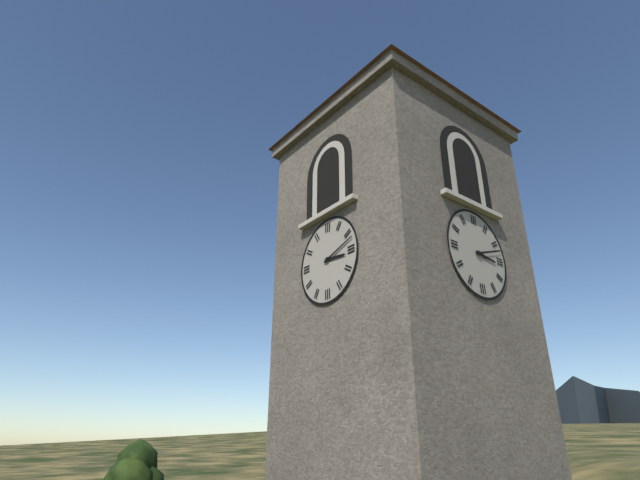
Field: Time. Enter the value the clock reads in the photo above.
3:12
